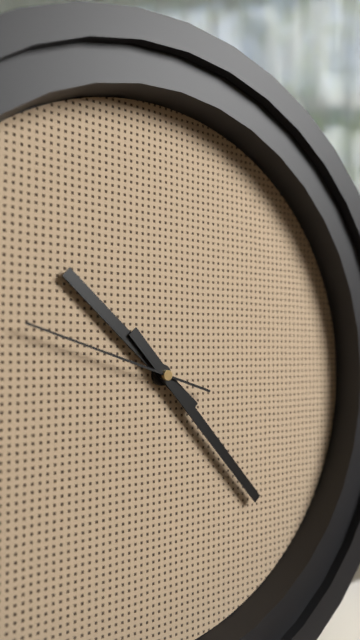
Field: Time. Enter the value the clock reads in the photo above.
10:23:48
